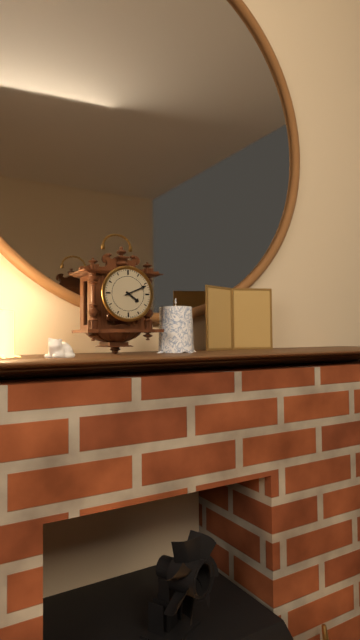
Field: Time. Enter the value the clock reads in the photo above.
4:11
